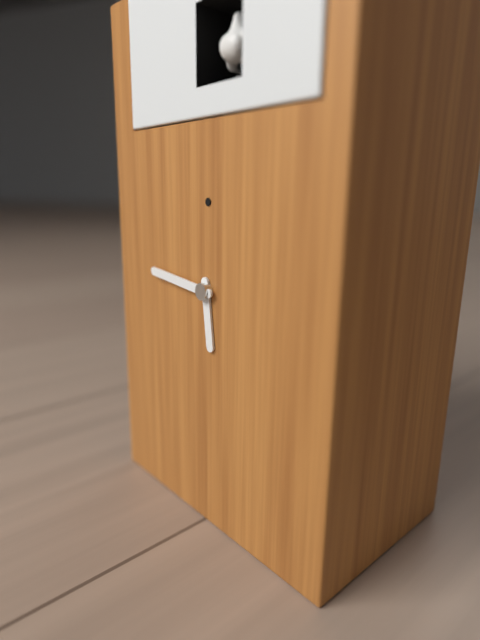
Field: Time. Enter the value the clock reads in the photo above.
5:46
